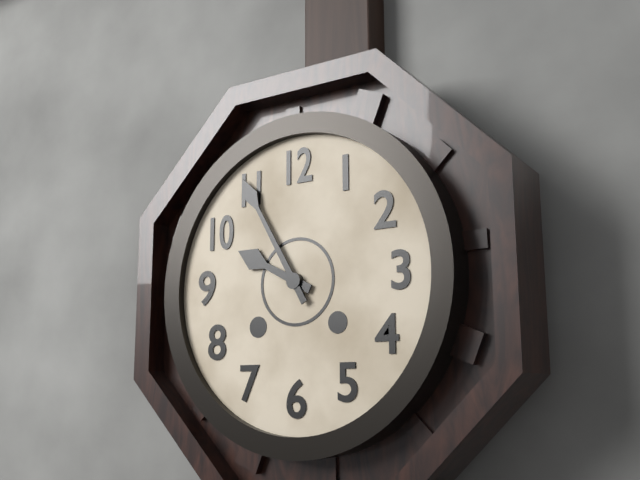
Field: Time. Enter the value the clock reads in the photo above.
9:55
